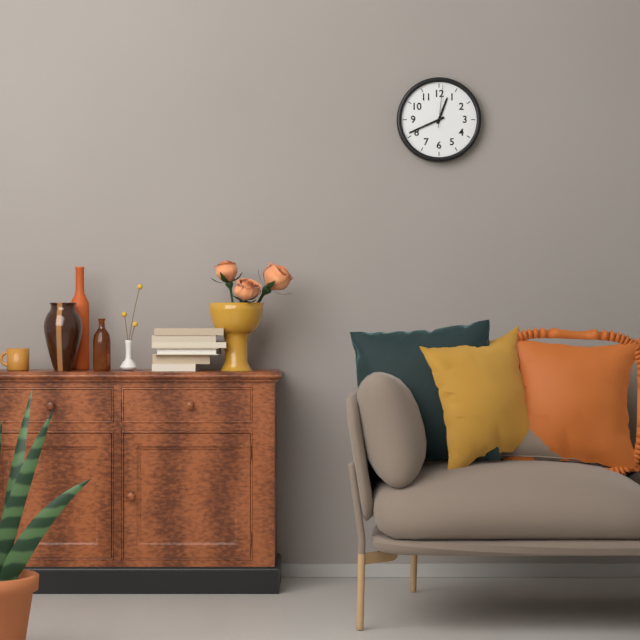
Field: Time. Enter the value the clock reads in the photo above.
12:41
